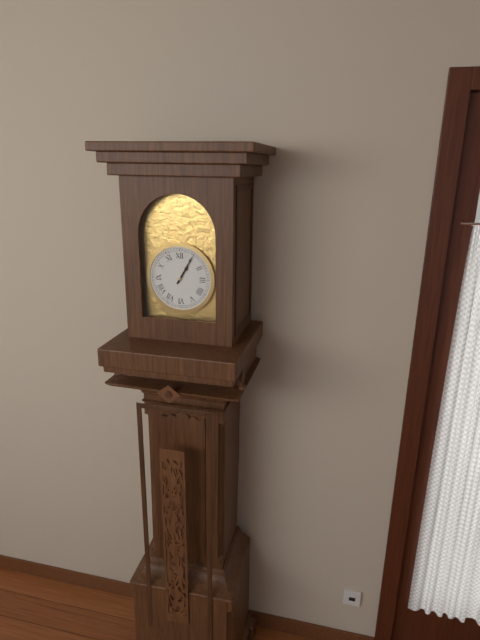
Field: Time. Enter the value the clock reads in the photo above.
1:05
